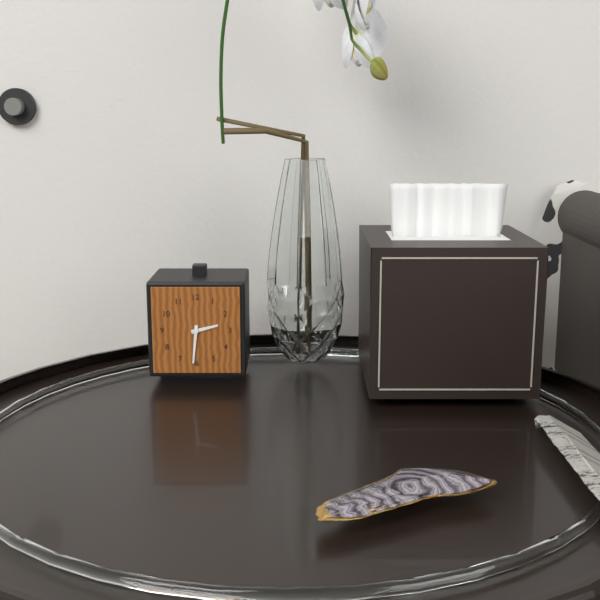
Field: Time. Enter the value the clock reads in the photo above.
2:31
